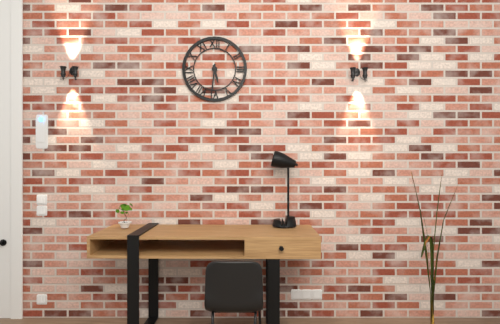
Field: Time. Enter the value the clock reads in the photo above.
5:31
